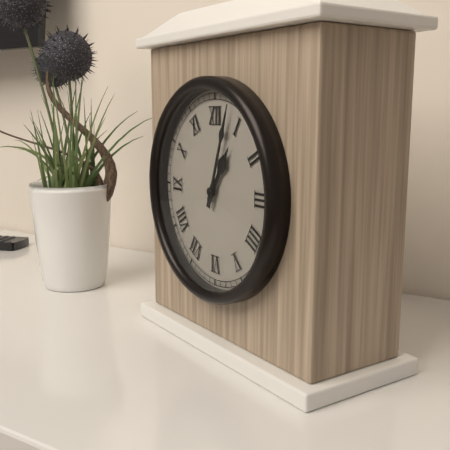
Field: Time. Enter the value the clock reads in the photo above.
1:03
